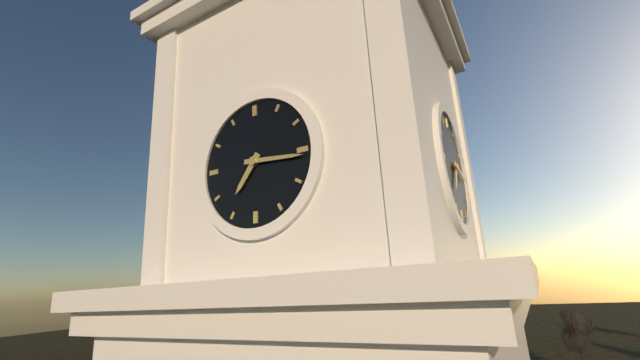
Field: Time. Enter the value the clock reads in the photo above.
7:16
